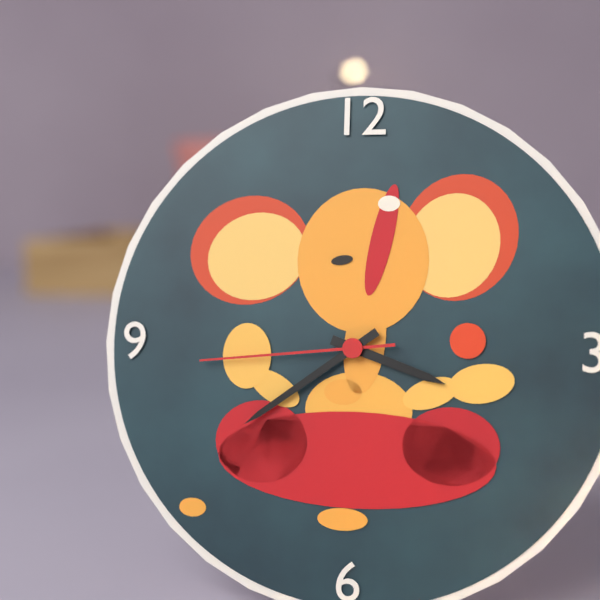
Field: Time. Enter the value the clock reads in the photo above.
3:39:44
